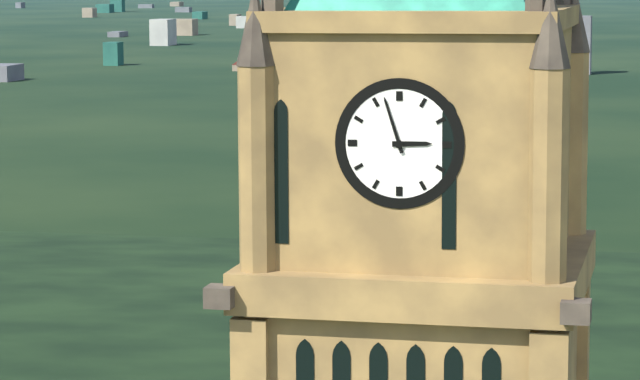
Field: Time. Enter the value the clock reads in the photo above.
2:57
